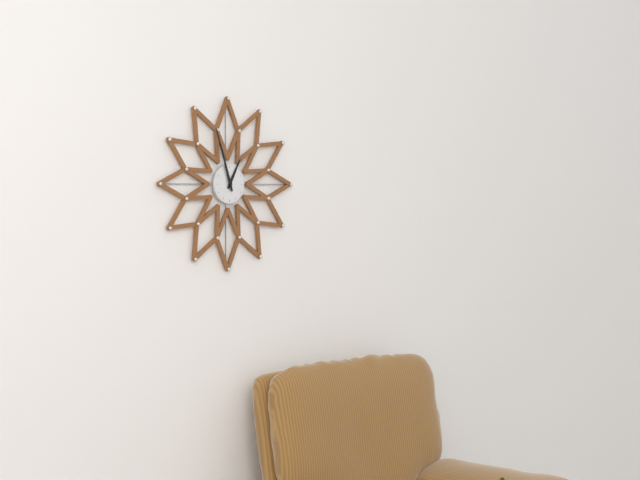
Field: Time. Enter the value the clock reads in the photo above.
12:57
